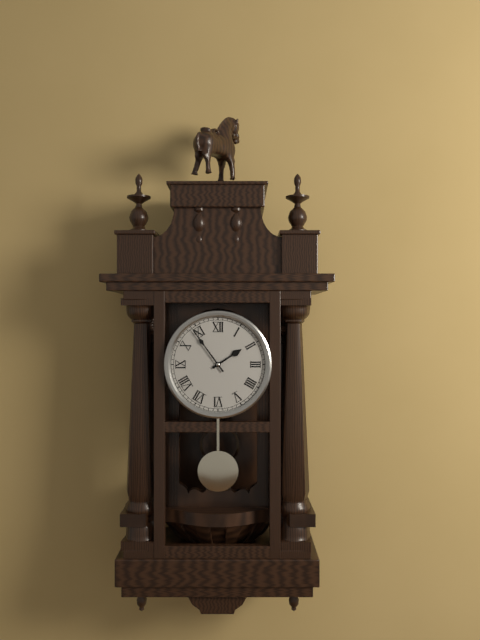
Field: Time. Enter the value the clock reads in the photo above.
1:54
